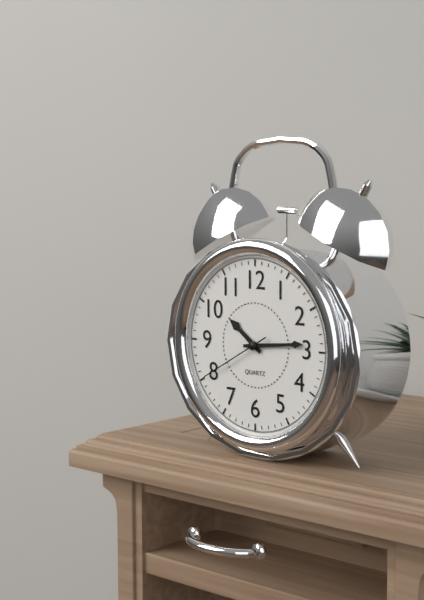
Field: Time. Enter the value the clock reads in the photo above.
10:14:40
